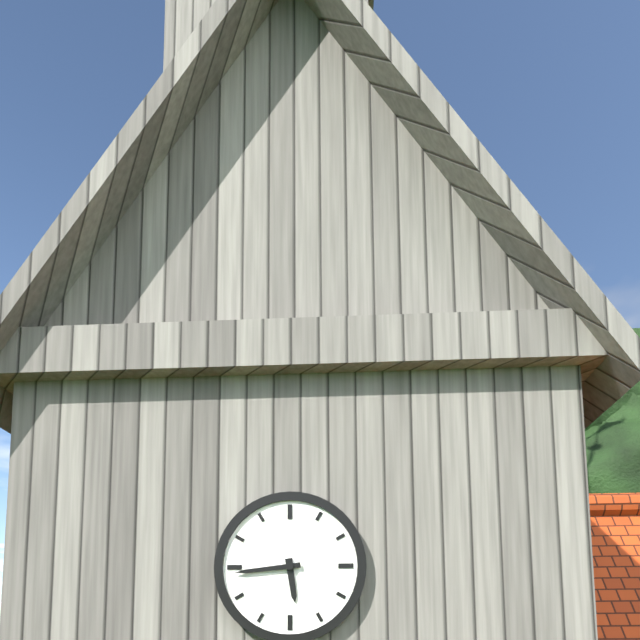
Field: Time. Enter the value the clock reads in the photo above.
5:44
